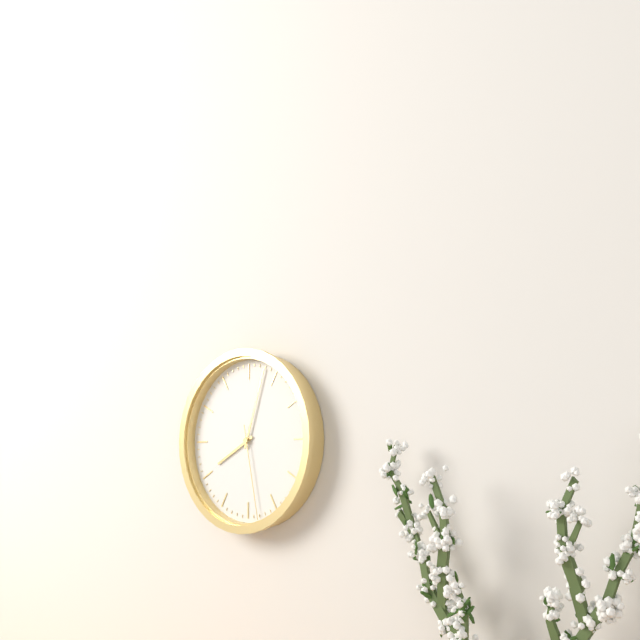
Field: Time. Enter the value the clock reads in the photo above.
8:03:28
